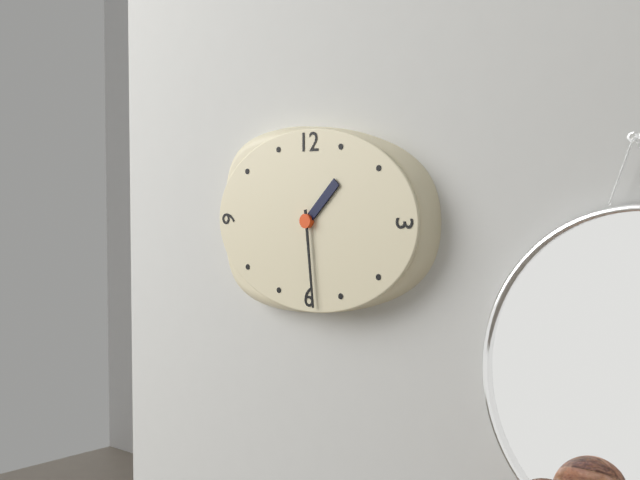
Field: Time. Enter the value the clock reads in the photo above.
1:29
